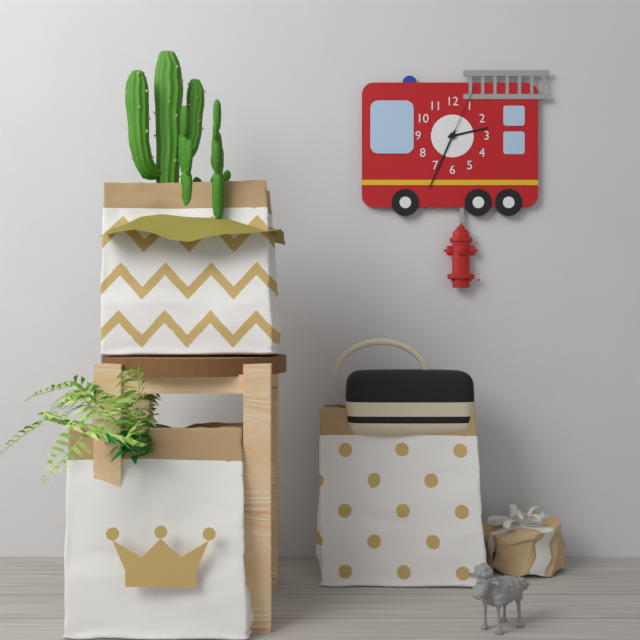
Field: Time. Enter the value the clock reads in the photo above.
2:34:04
